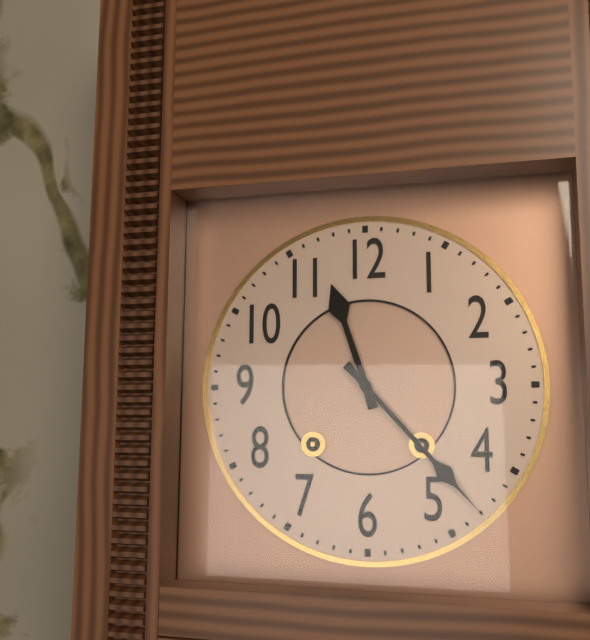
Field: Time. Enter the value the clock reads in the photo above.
11:23
